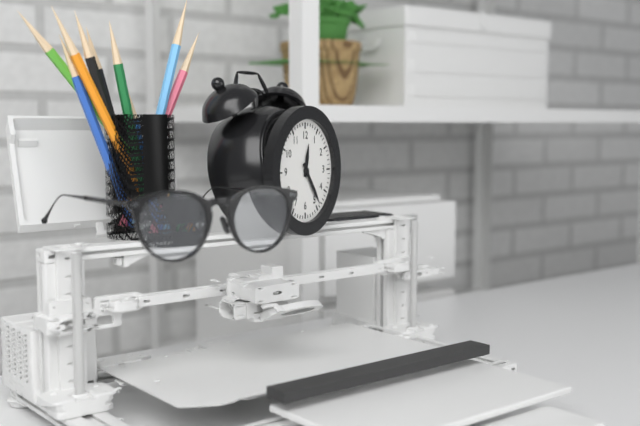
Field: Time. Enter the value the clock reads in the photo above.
12:24
